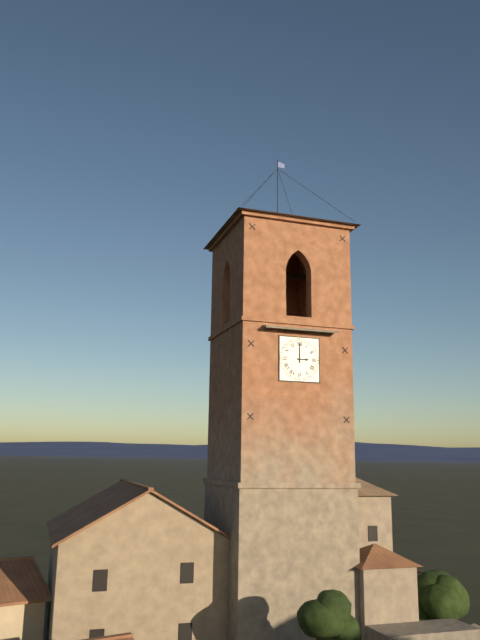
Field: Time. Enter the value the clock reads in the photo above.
3:00
